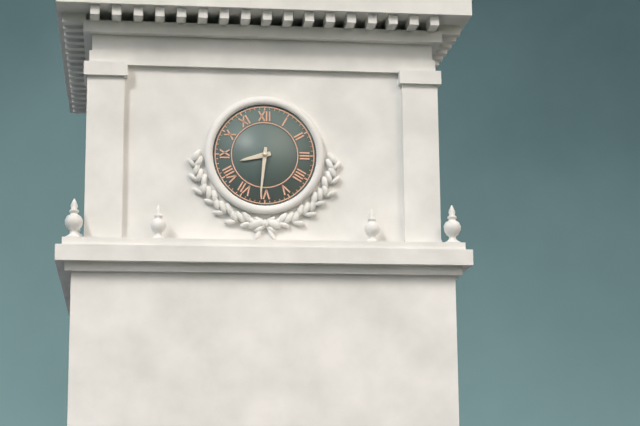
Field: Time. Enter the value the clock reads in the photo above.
8:31
